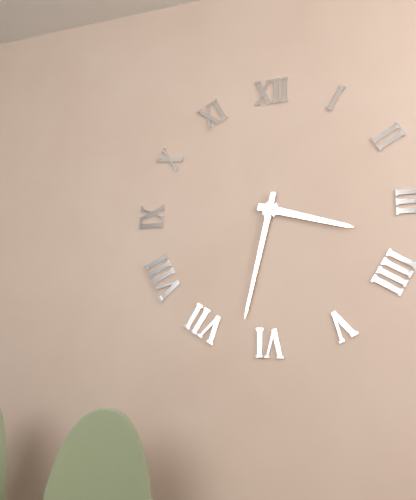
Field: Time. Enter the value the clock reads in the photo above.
3:32
